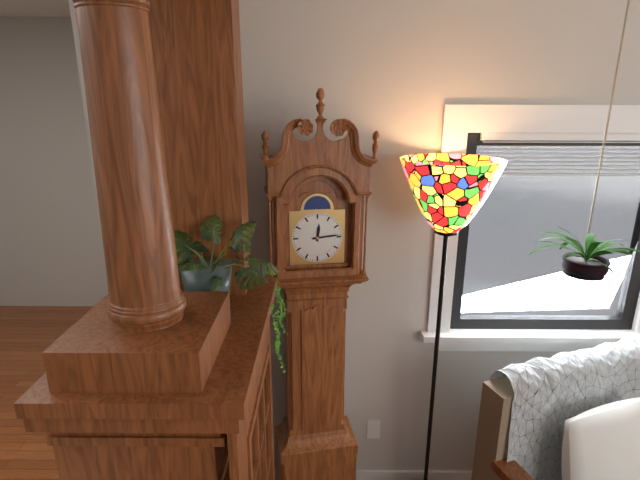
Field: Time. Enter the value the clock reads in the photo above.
12:14
